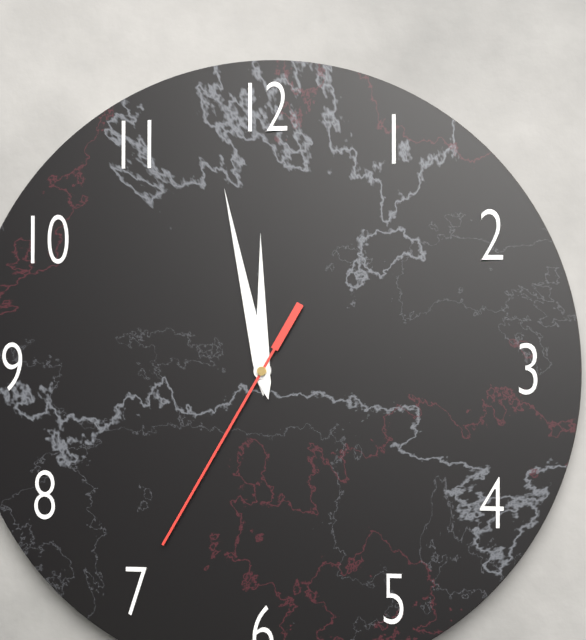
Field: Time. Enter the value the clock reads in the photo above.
11:58:35
